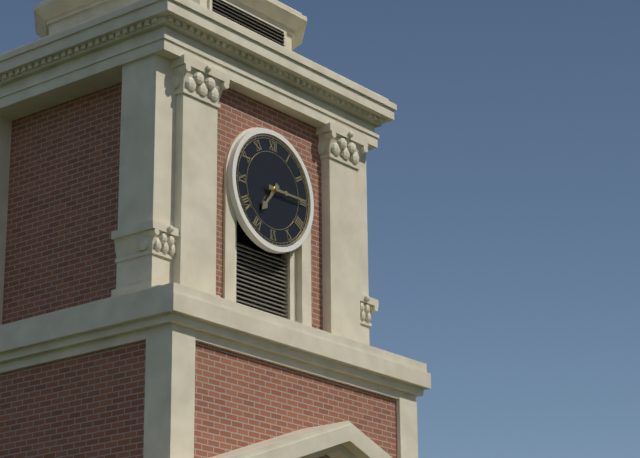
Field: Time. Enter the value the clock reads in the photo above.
7:15
